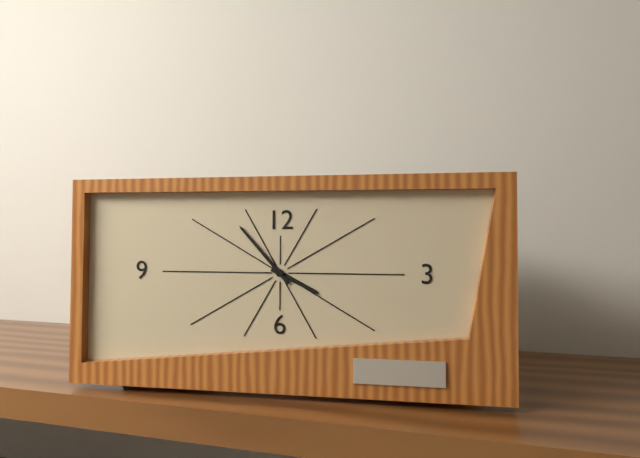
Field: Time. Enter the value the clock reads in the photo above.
3:53
